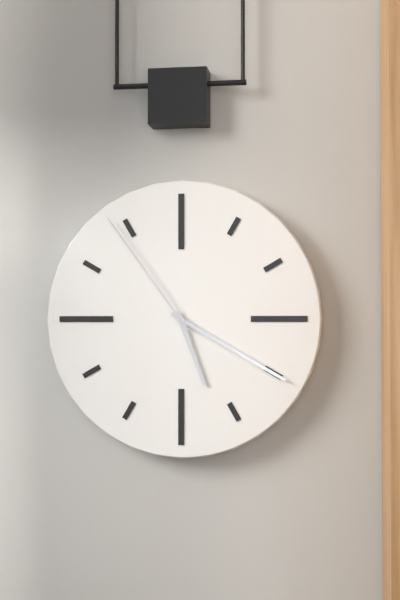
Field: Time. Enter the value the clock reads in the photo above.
5:20:54
